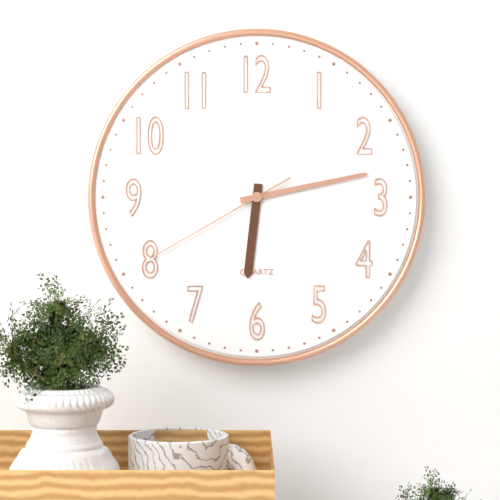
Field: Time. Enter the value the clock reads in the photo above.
6:13:40
